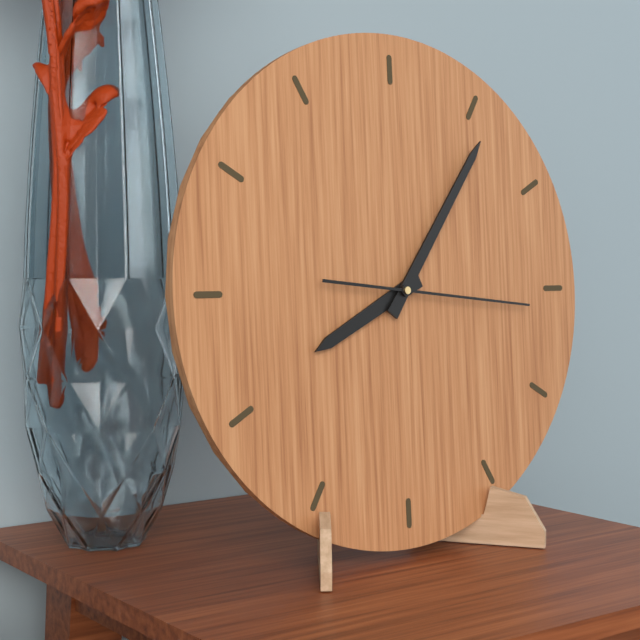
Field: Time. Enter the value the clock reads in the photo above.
8:06:16
